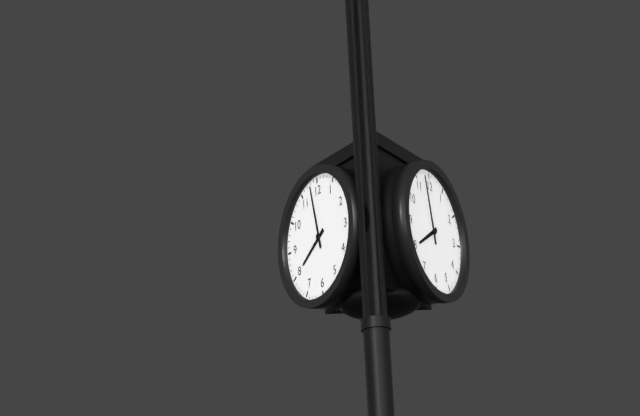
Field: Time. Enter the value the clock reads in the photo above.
7:58
